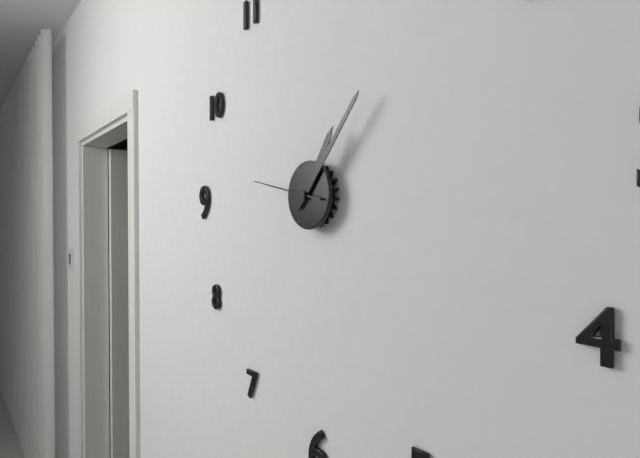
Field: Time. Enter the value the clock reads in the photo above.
1:07:47
